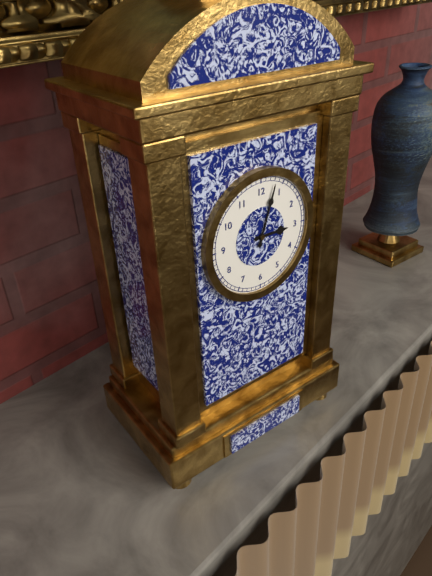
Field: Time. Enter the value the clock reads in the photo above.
3:03
